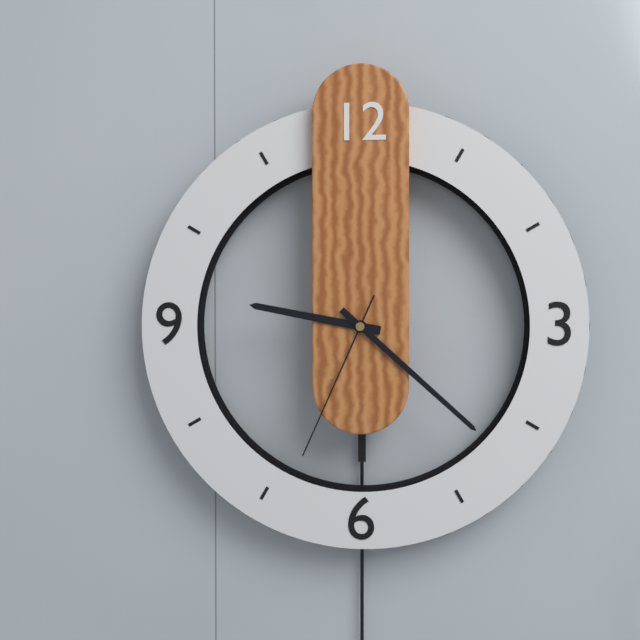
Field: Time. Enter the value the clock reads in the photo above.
9:22:34
